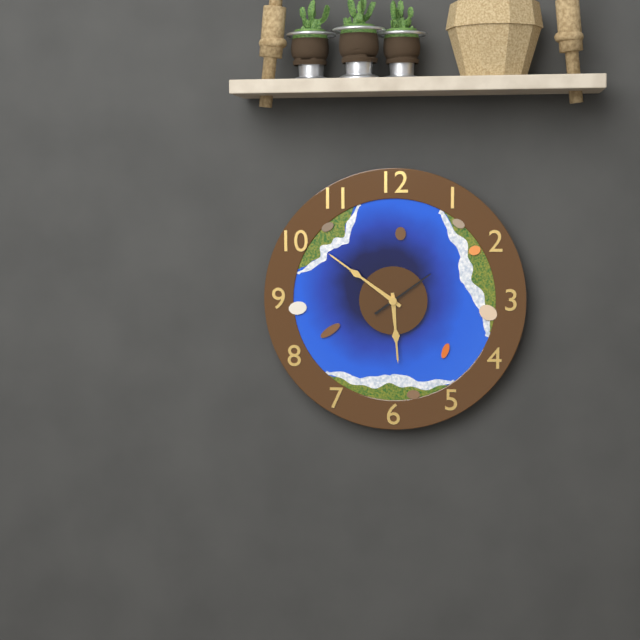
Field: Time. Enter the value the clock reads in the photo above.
5:51:09
